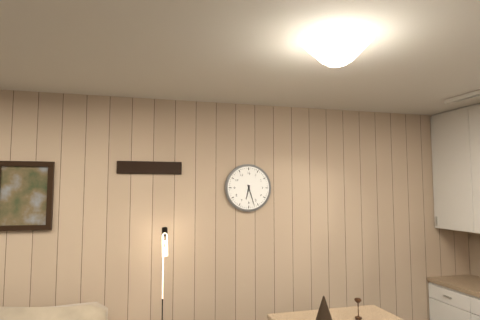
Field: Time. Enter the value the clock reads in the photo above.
6:27
